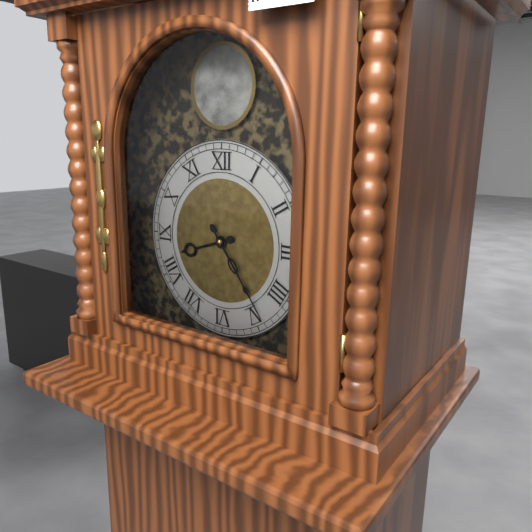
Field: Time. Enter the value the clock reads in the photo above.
8:24
